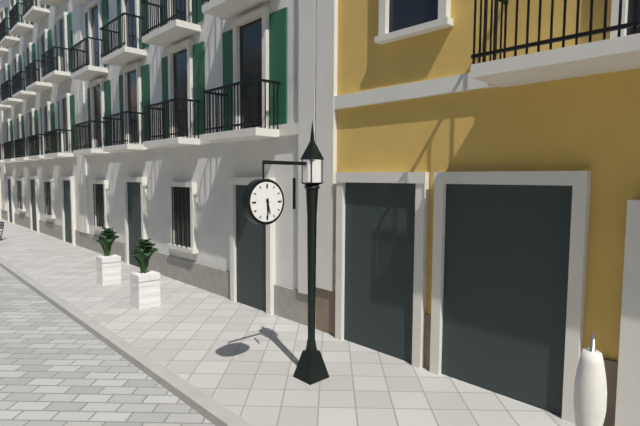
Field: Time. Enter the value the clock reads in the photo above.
5:30
